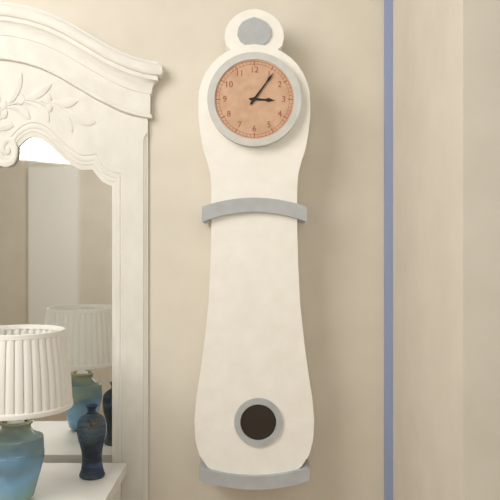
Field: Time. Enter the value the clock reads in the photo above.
3:06
